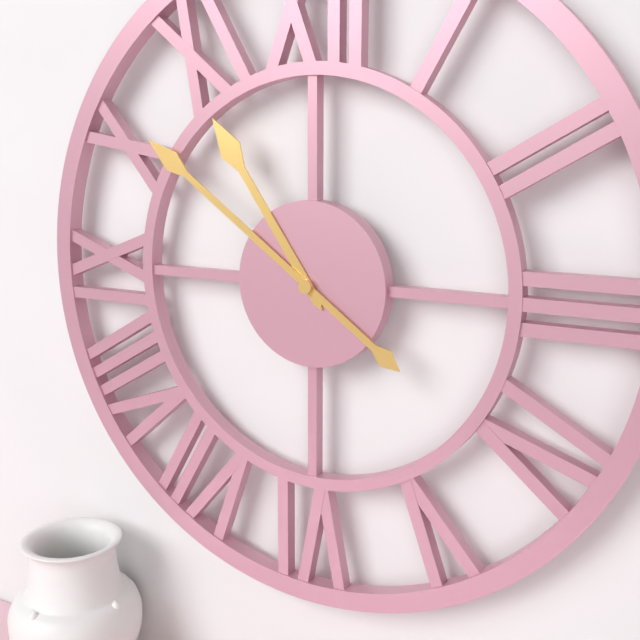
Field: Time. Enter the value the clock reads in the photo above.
10:51
